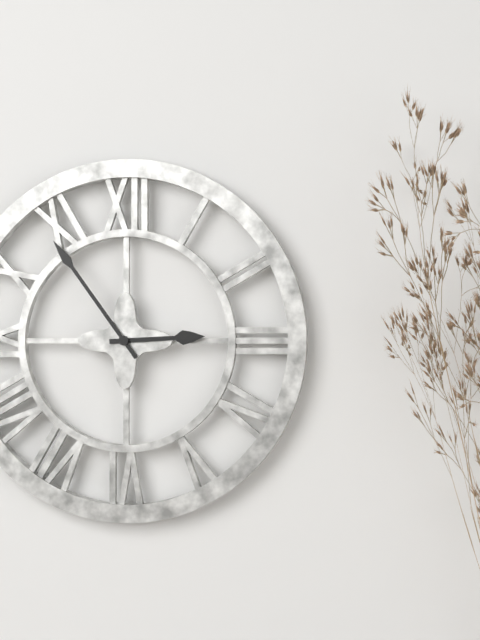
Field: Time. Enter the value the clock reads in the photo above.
2:54
